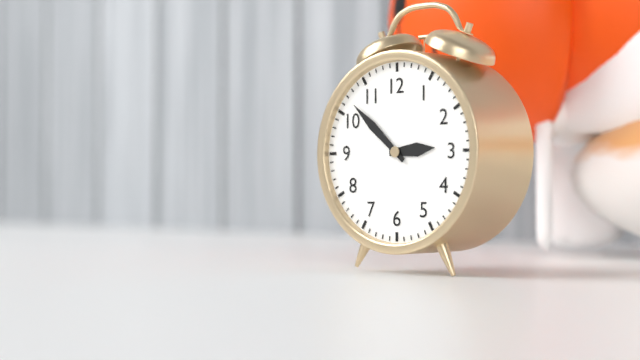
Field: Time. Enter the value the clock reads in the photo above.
2:52
